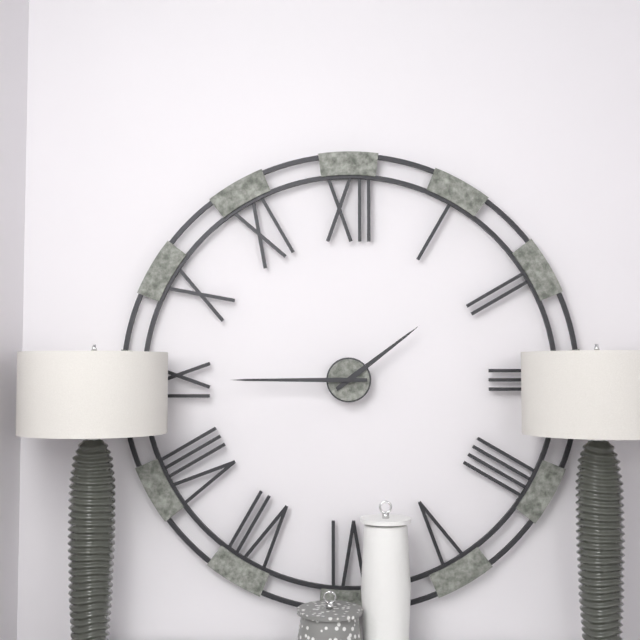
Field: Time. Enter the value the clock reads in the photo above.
1:45
